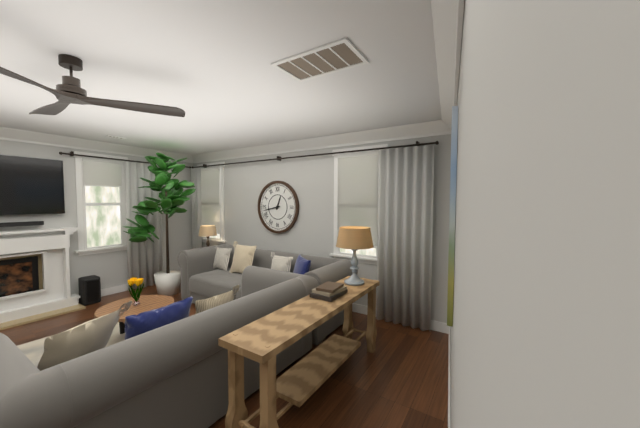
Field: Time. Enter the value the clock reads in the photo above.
12:43
